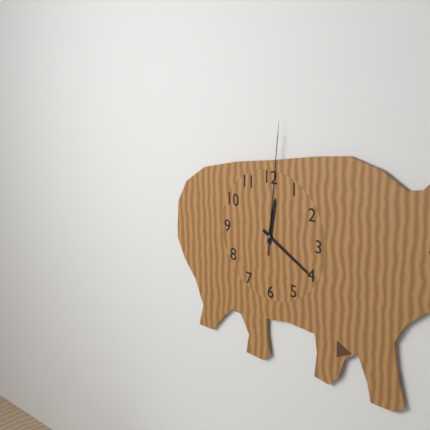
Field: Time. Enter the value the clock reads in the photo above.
12:20:01
